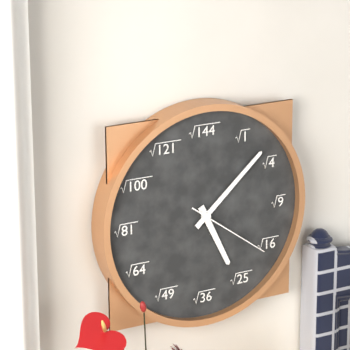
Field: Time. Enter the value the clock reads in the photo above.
5:08:21
